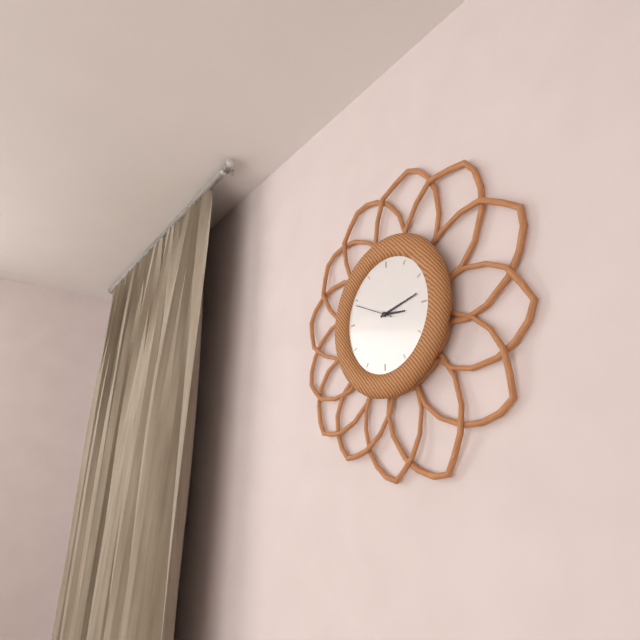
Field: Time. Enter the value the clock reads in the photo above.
3:13:49
